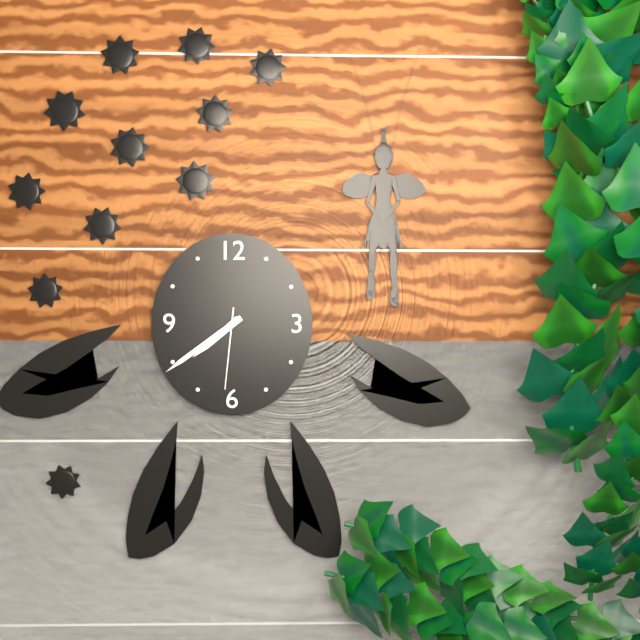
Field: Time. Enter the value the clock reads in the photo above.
7:39:31
